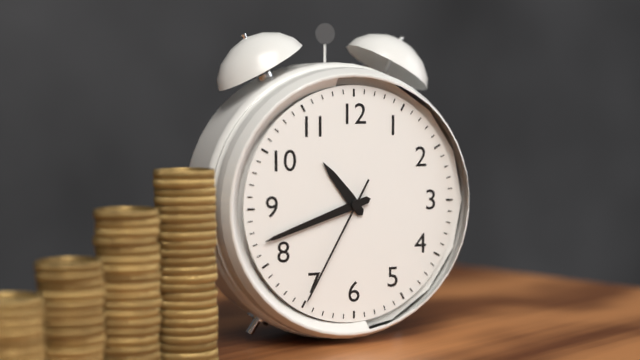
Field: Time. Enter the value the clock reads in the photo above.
10:42:35
